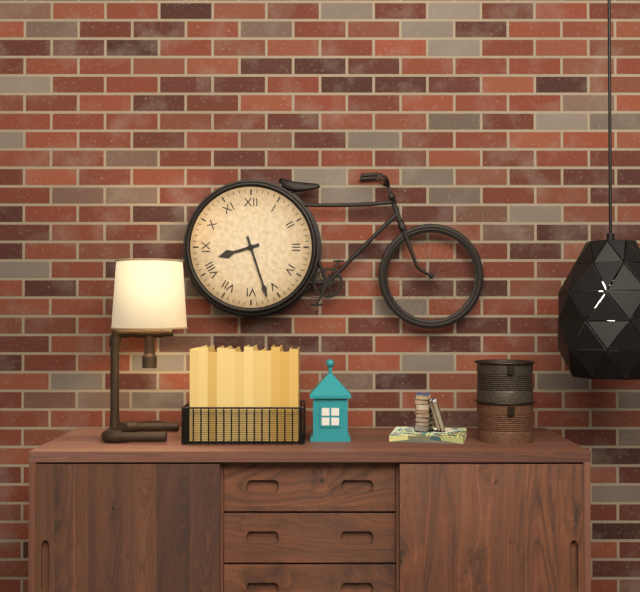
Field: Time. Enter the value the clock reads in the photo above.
8:27
